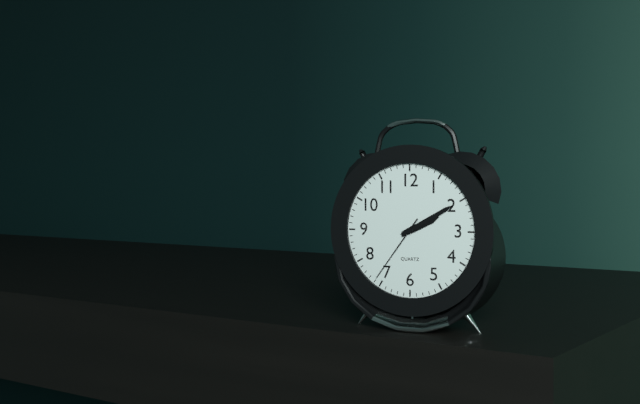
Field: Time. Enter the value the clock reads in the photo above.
2:10:36
